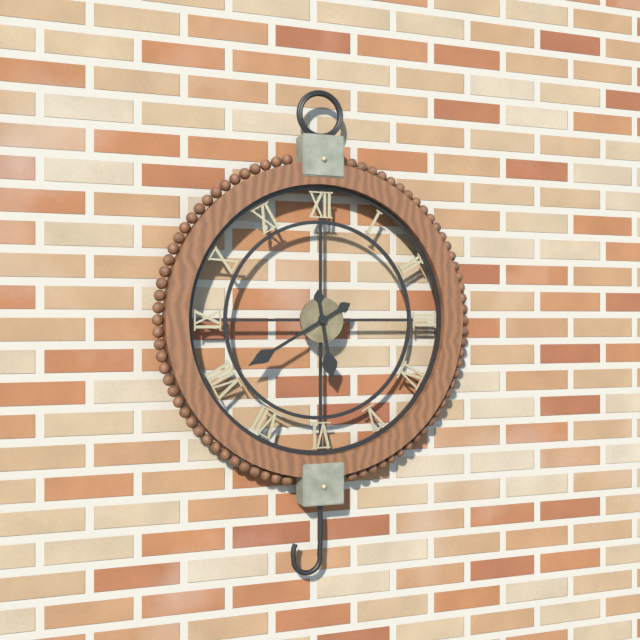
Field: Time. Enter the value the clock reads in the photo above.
5:40
